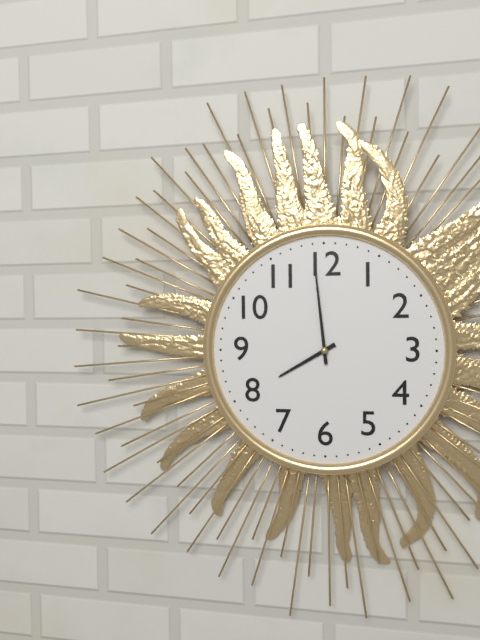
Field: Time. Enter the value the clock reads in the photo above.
7:59
